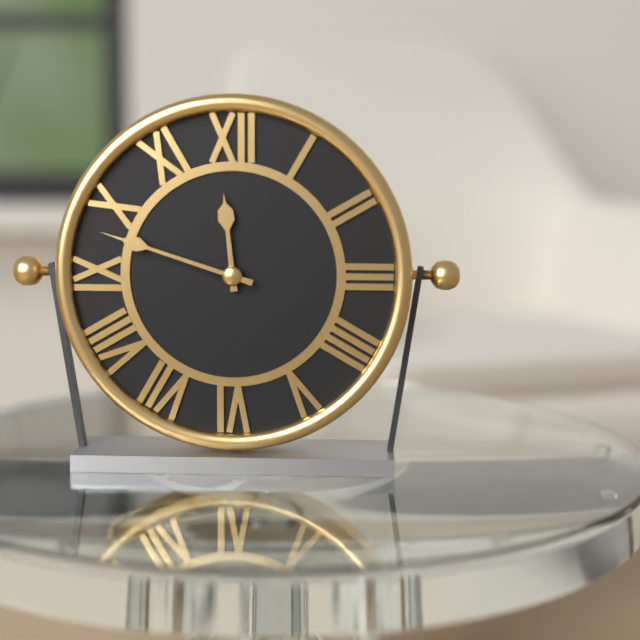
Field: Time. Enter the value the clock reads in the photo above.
11:48
